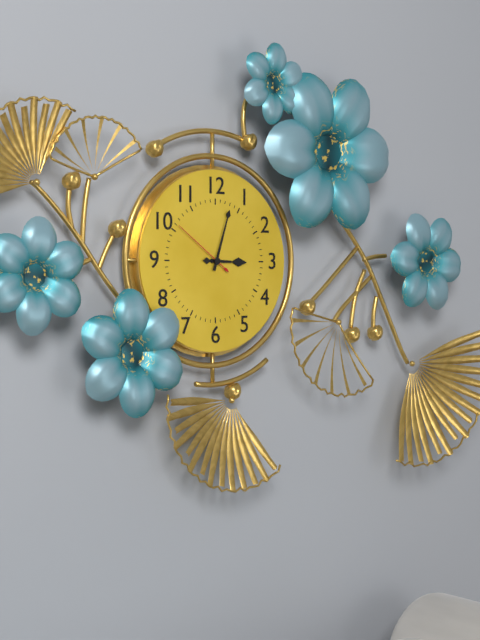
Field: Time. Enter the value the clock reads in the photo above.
3:03:51
